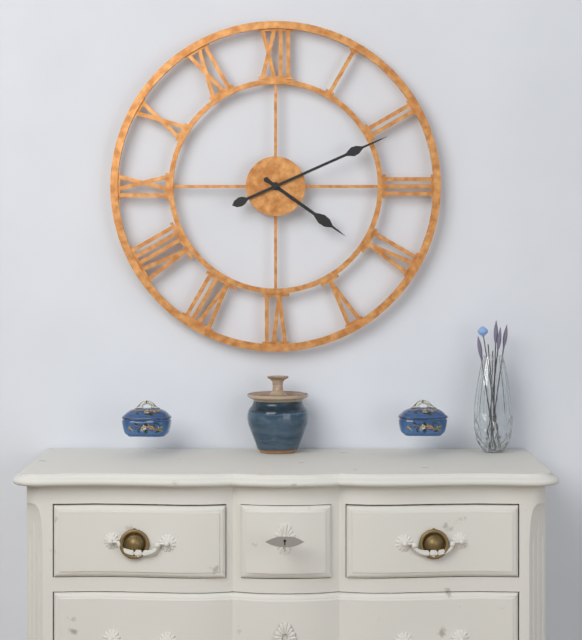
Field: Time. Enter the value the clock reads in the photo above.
4:11
